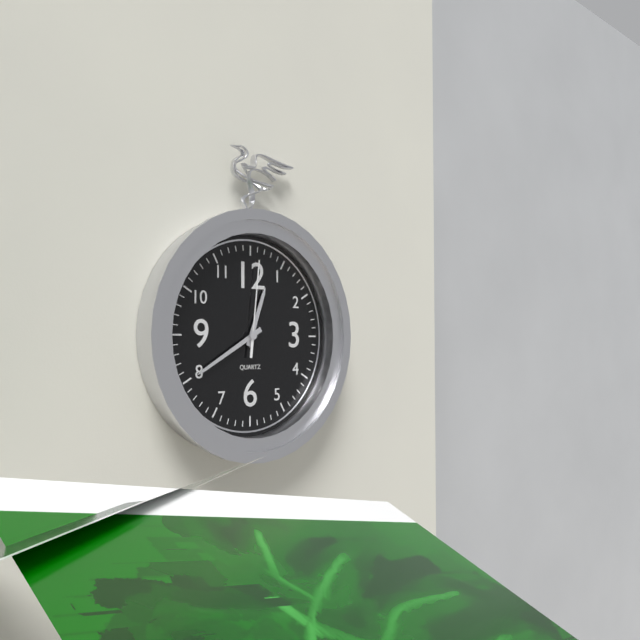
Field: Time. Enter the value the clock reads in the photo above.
12:40:01
